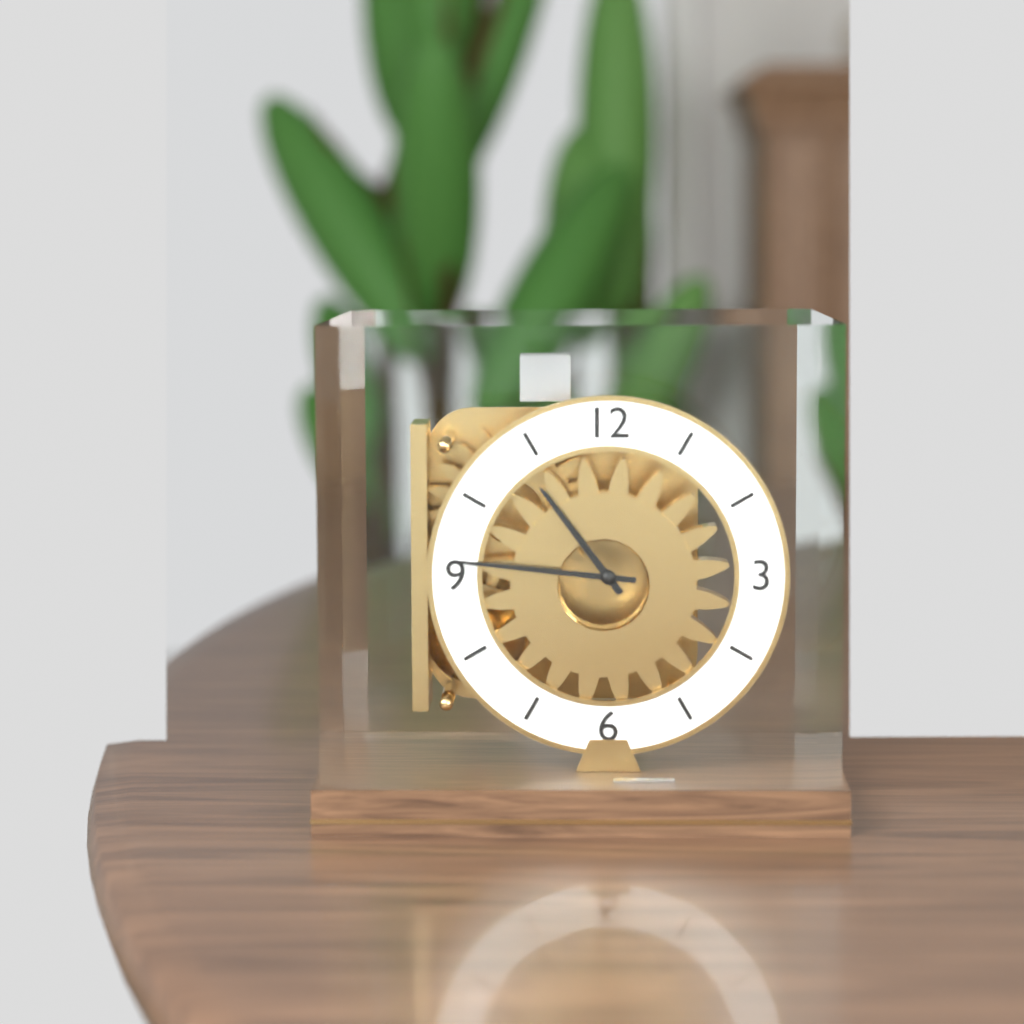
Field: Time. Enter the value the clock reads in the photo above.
10:46
